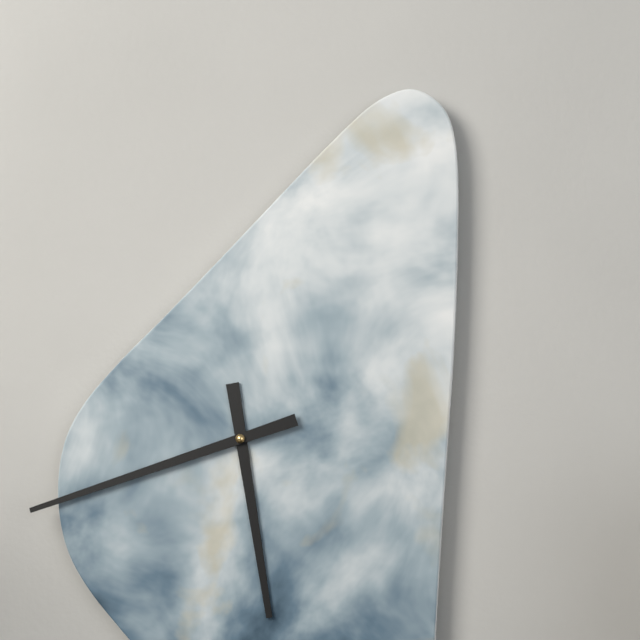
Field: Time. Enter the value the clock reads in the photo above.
5:42
